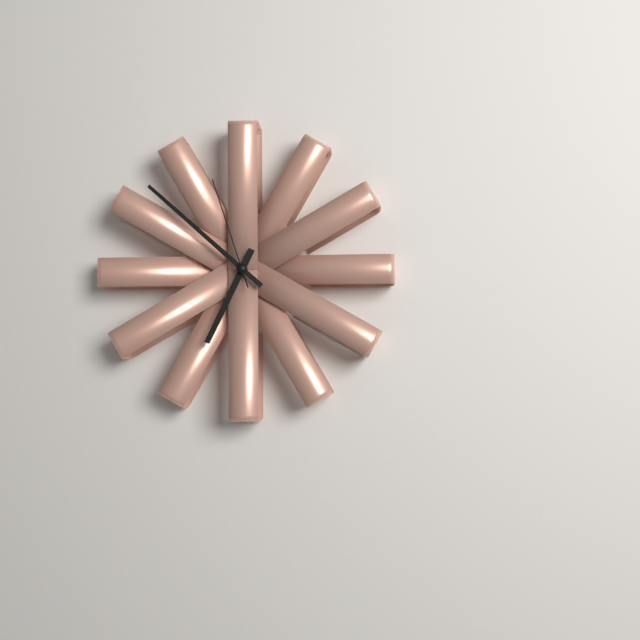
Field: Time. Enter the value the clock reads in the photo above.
6:52:57
